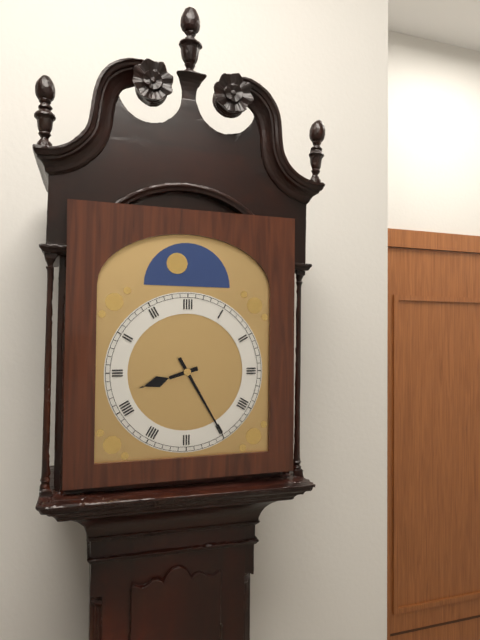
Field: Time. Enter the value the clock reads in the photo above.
8:25
